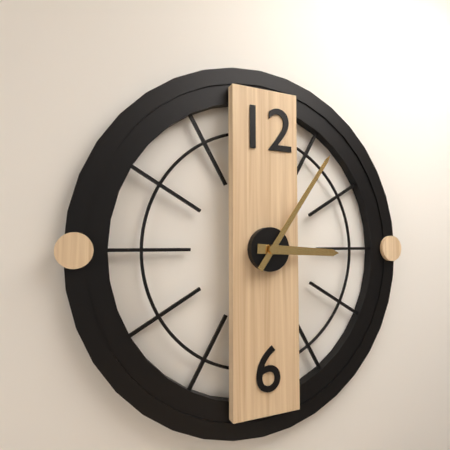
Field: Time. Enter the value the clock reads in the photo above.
3:06
